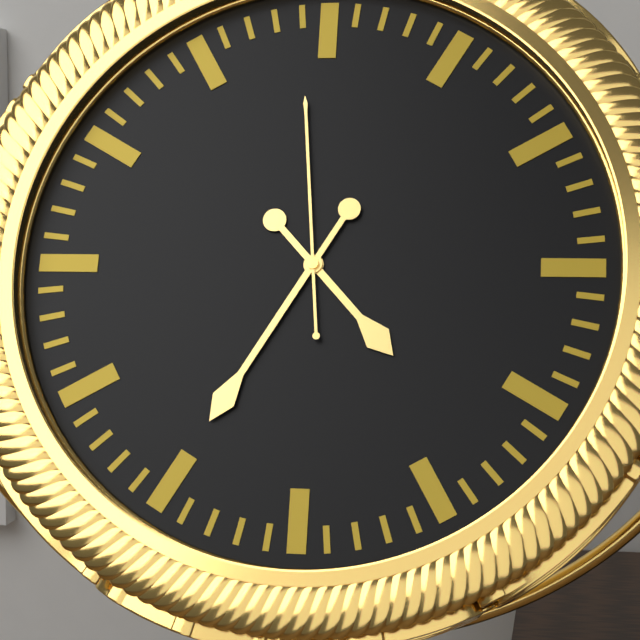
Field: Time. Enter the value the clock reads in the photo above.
4:35:59
